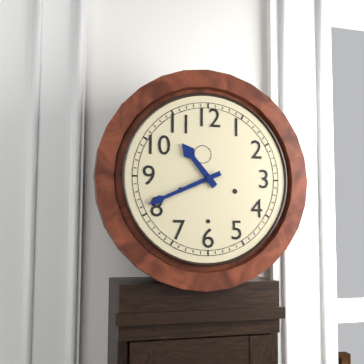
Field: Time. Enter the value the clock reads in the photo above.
10:41
